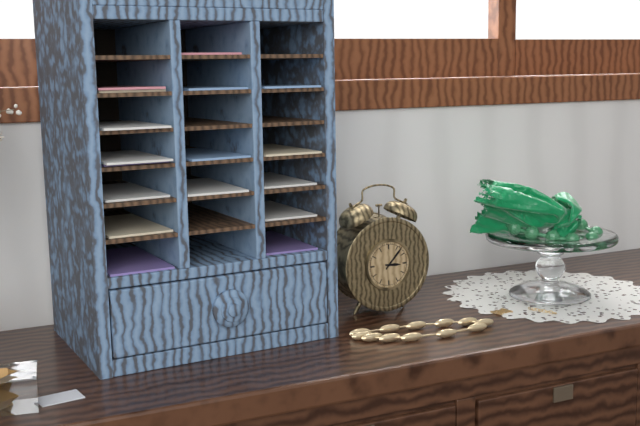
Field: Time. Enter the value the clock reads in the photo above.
3:07
